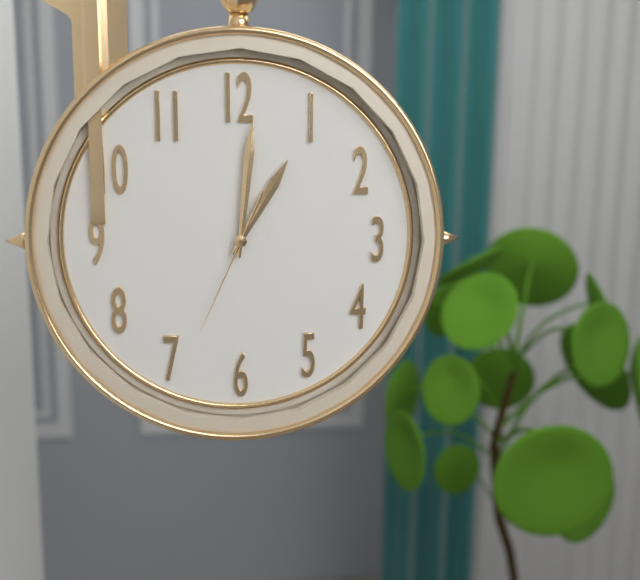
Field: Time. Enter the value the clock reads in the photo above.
1:01:34
